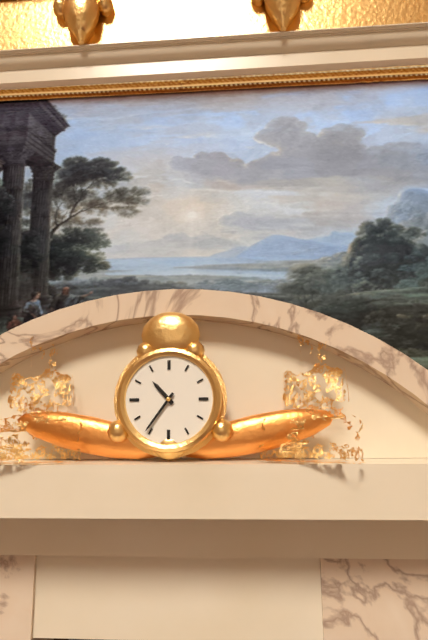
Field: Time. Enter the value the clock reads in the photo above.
10:36
